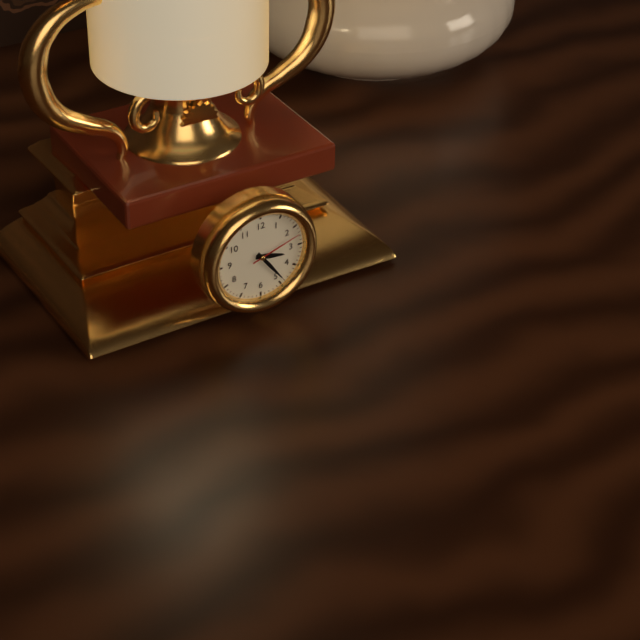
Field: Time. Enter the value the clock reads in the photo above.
3:24:12
